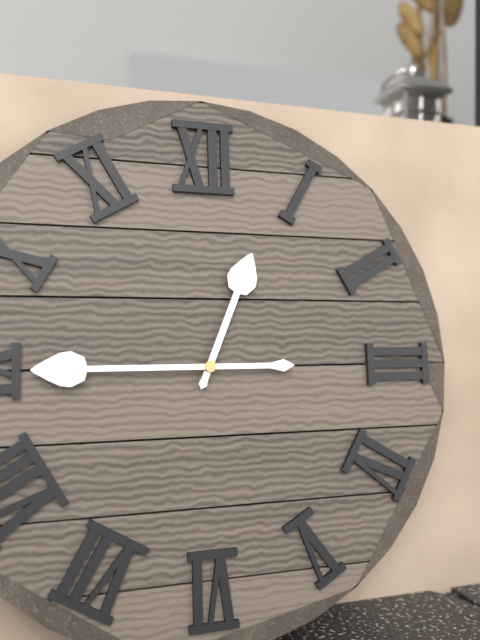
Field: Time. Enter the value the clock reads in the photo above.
12:45
